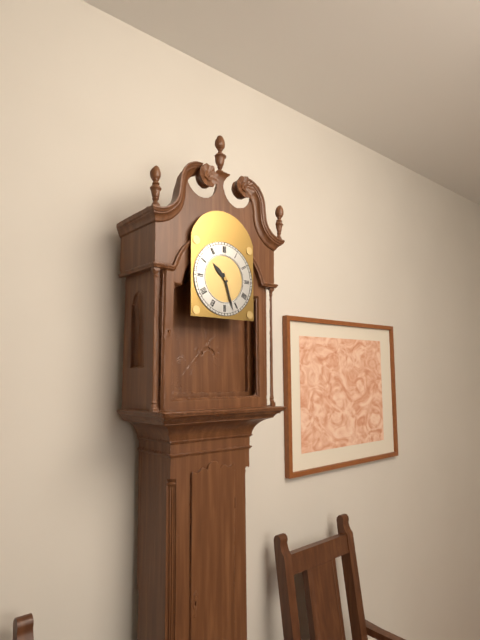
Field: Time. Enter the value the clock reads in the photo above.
10:27
